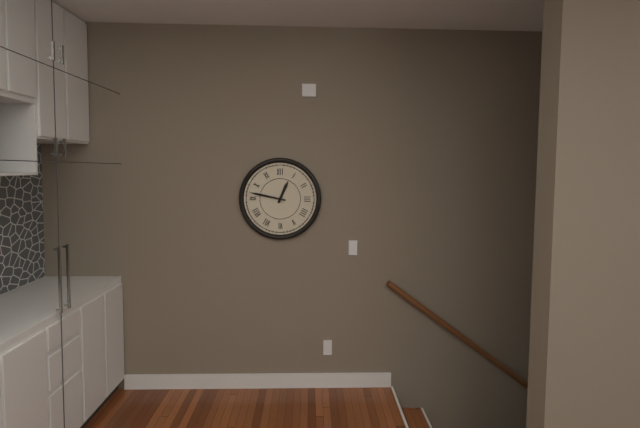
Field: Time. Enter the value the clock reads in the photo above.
12:47
